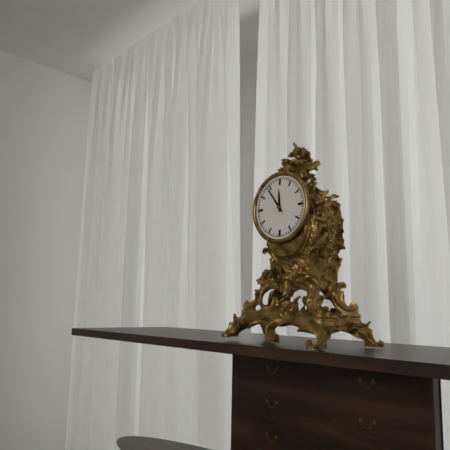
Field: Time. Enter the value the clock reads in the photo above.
11:54
